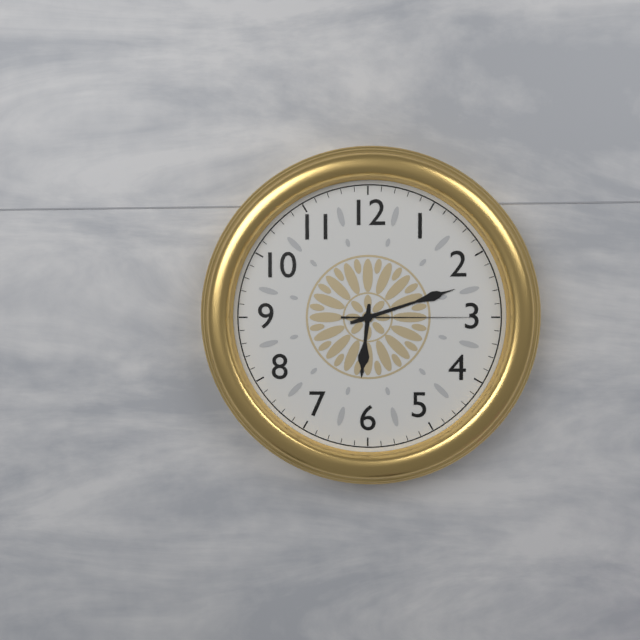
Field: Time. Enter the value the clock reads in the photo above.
6:12:15
